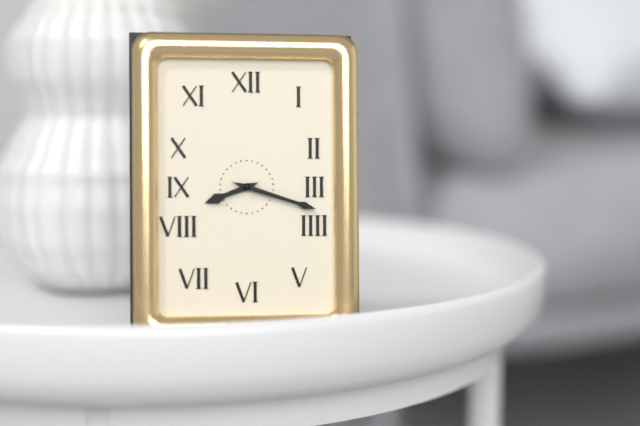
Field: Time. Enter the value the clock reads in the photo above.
8:18
